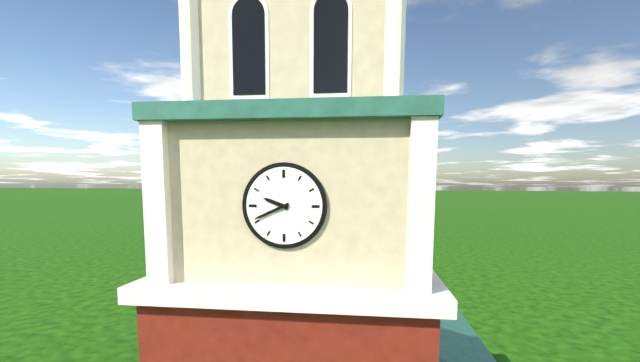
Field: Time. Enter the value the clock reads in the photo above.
9:41
